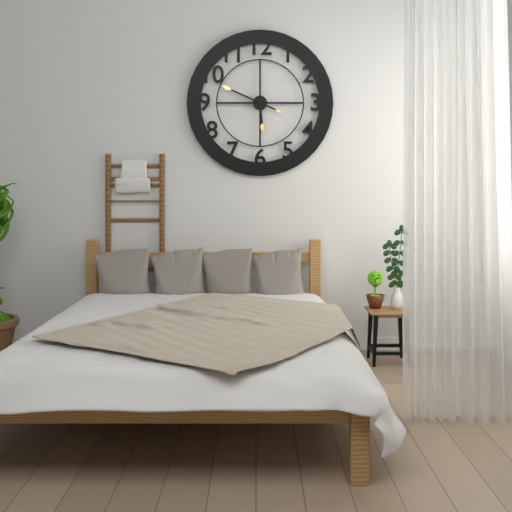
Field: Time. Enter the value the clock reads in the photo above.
5:49
